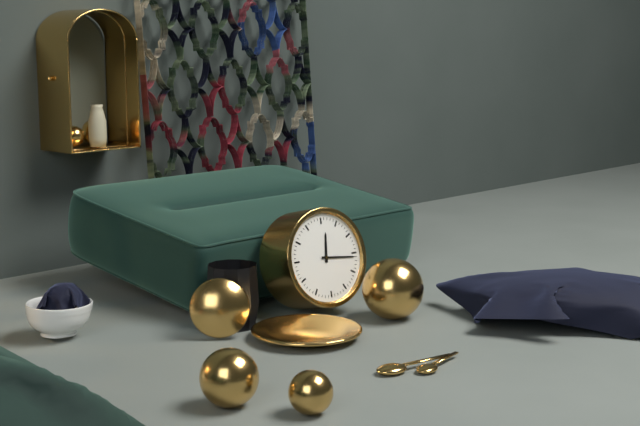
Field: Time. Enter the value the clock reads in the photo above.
12:16
